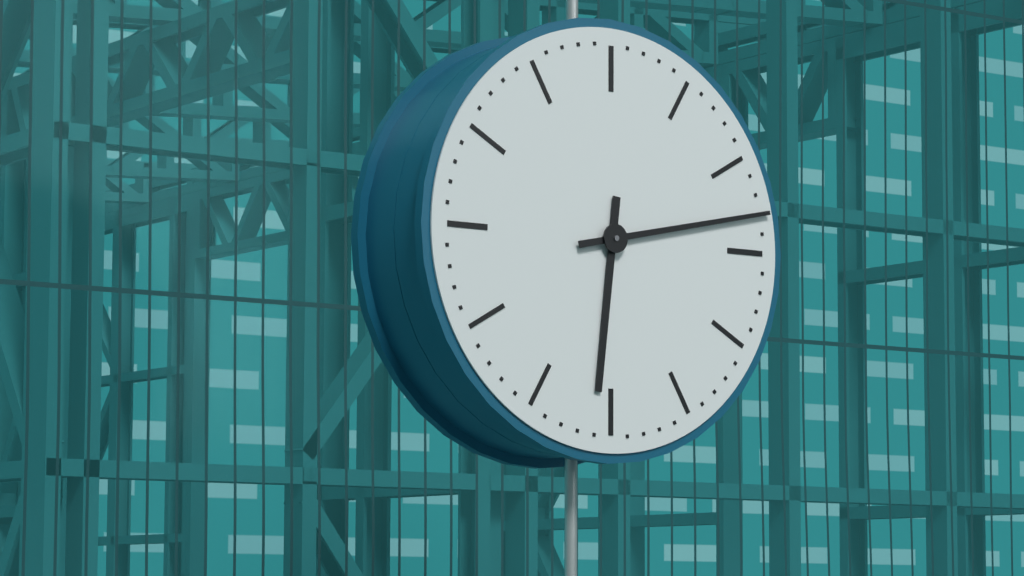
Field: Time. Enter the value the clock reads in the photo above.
6:13
